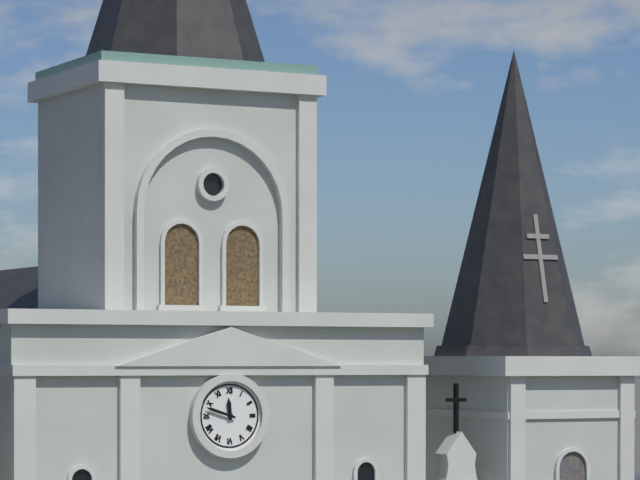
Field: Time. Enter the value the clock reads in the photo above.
11:48
